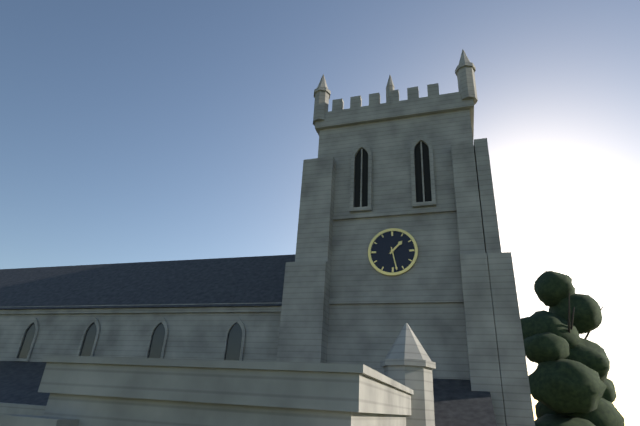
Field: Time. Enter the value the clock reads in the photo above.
1:28
